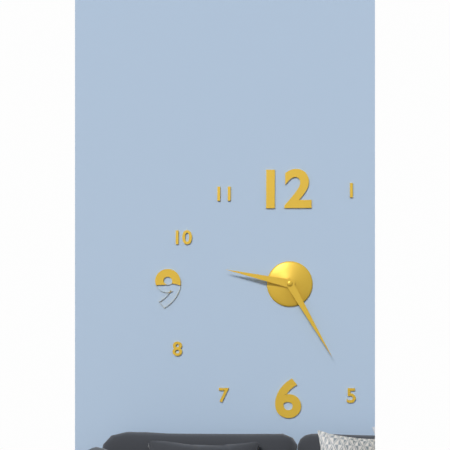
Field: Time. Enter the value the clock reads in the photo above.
9:25
